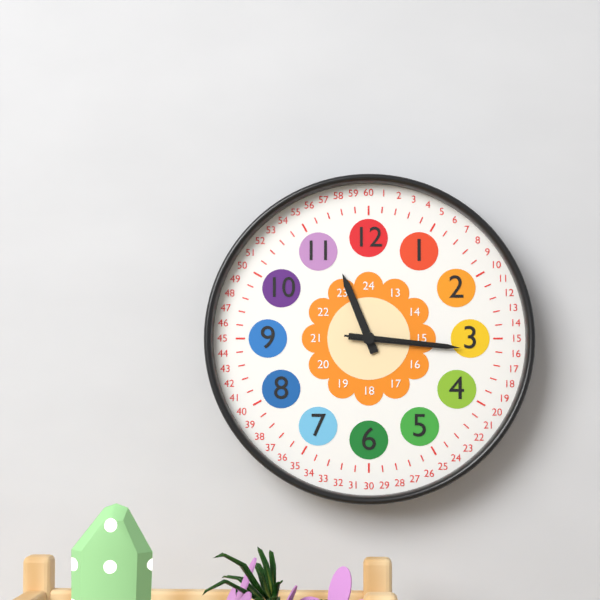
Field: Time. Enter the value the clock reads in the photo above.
11:16:16
